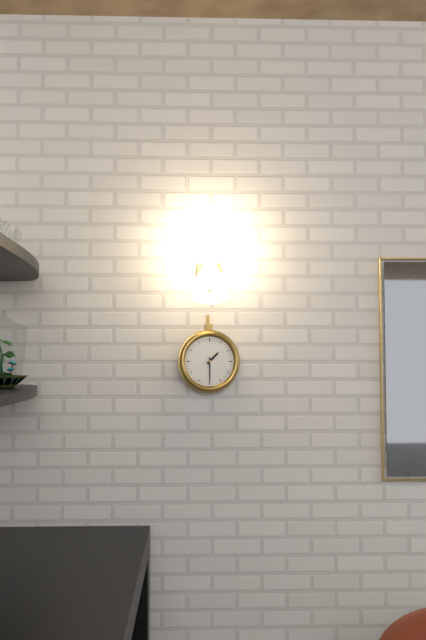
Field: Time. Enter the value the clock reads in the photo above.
1:30
